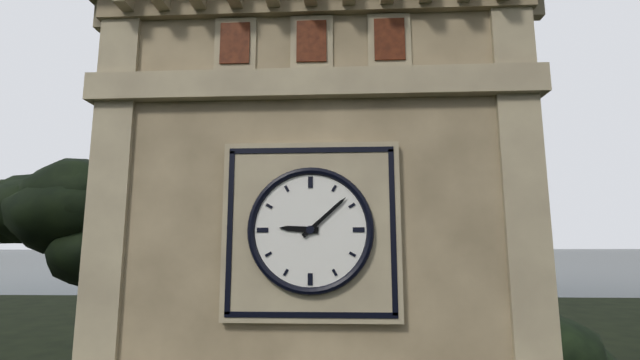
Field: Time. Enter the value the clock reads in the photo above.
9:08
